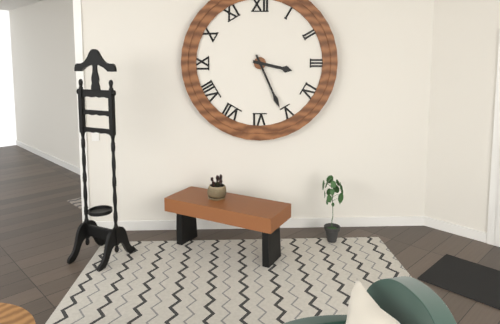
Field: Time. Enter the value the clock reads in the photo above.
3:26
